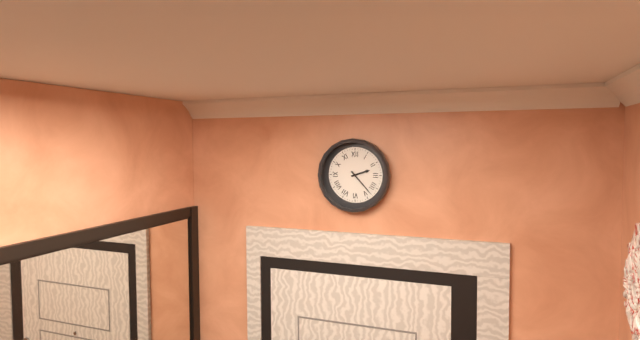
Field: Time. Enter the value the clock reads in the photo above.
2:23
